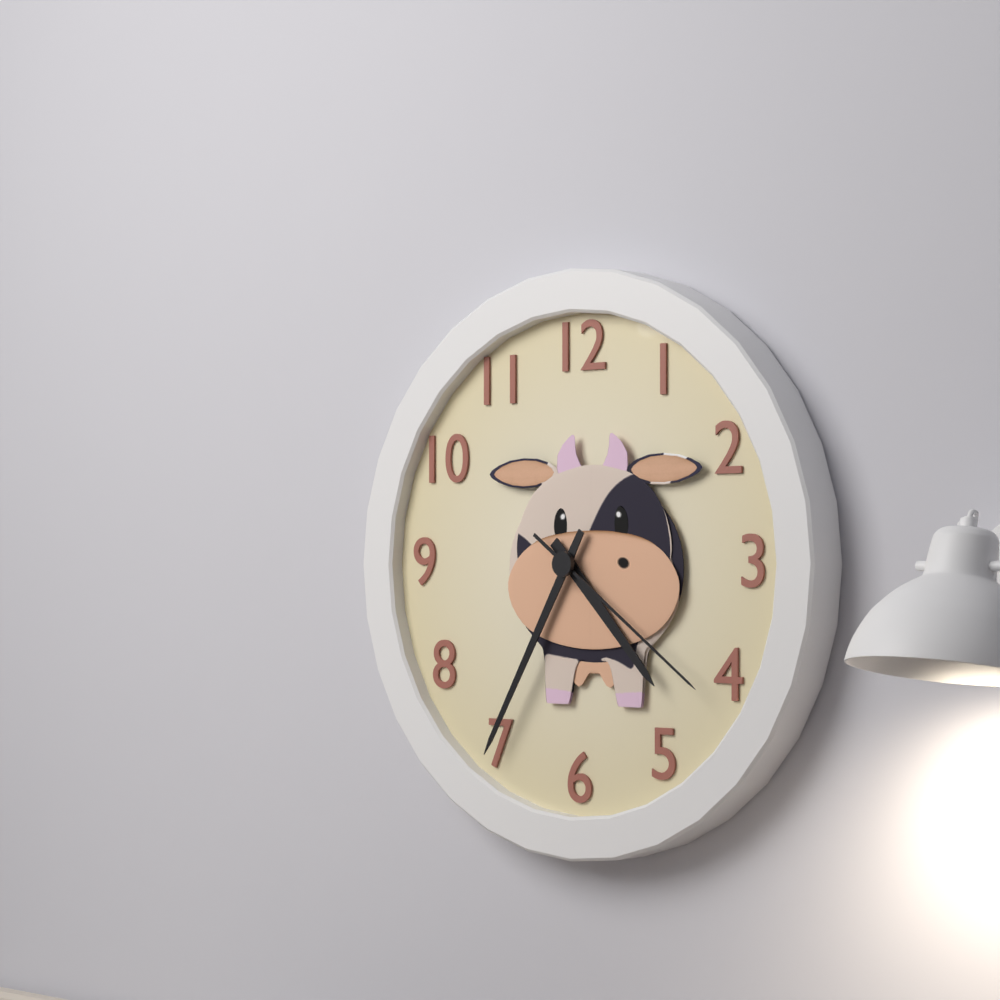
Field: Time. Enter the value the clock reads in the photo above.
4:35:21
